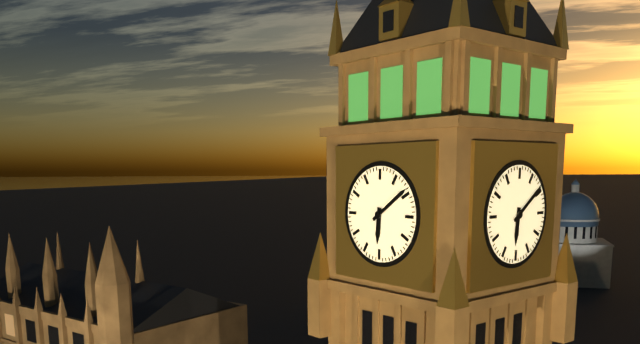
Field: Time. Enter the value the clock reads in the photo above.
6:09
